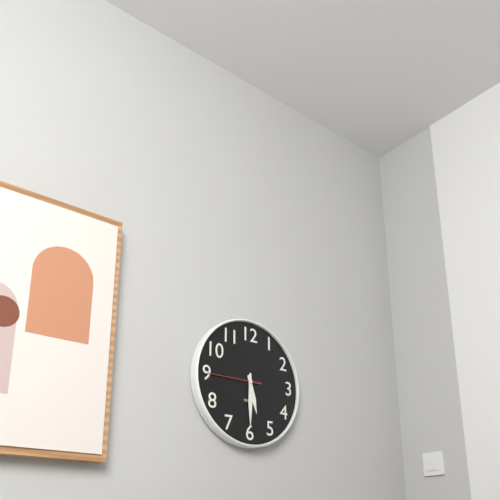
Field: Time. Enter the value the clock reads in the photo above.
5:30
